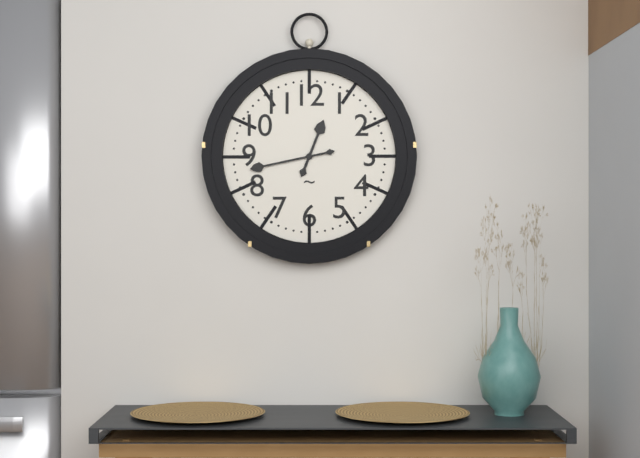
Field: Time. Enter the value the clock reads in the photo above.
12:43
